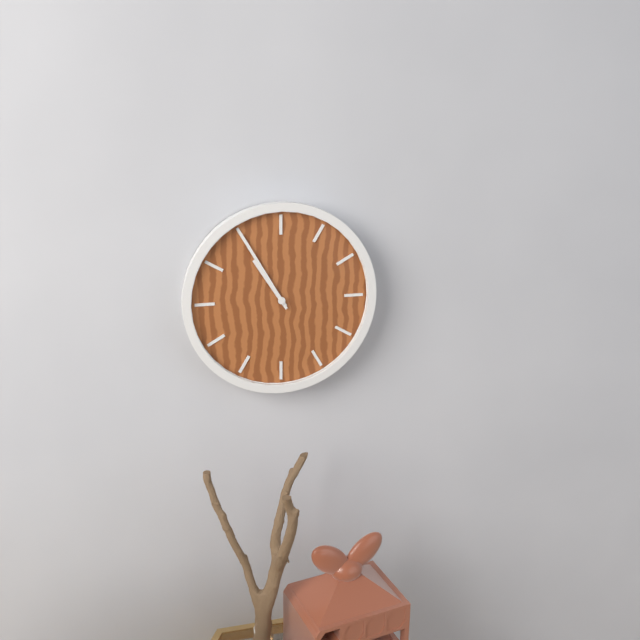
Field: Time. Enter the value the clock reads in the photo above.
10:55
